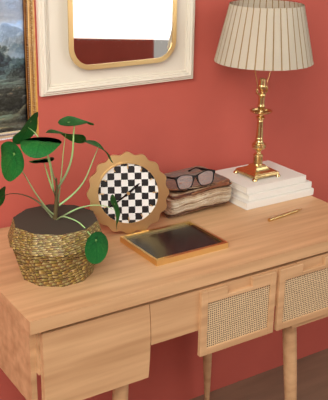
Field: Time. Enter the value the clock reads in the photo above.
1:39
